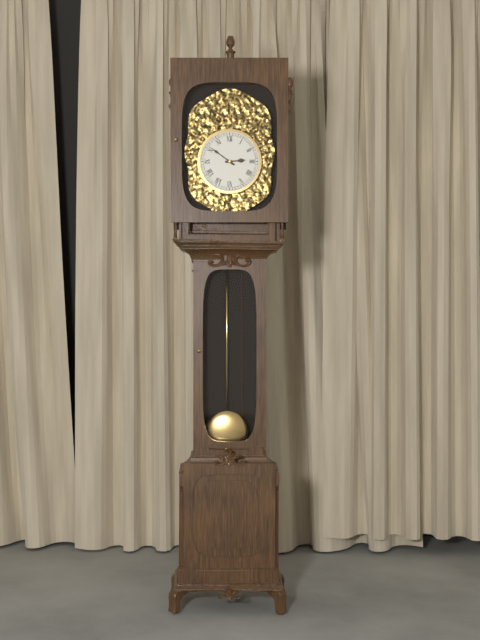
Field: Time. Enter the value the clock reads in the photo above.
2:51
